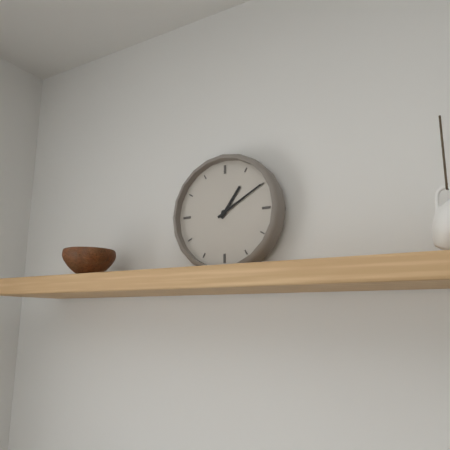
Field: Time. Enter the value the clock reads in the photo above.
1:10
